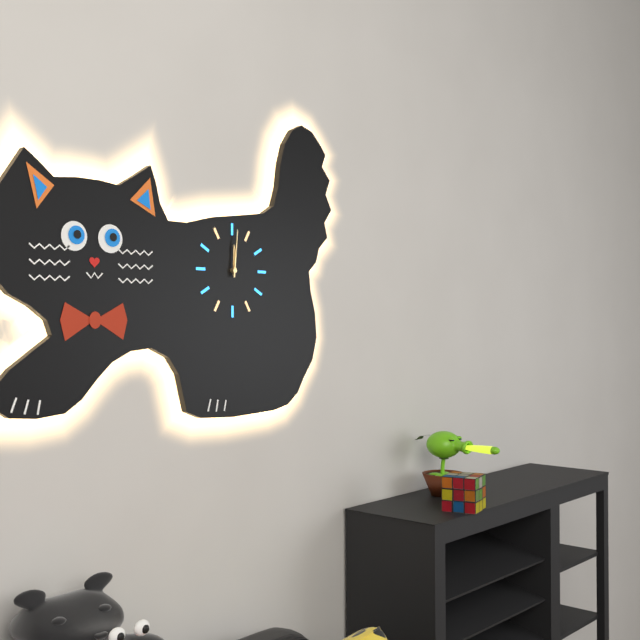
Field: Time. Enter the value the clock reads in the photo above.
12:01
